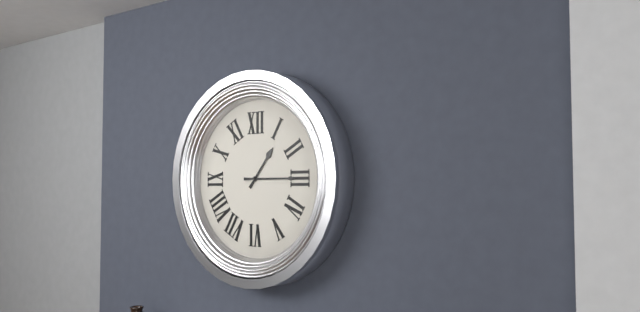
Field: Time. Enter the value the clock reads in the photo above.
1:15
